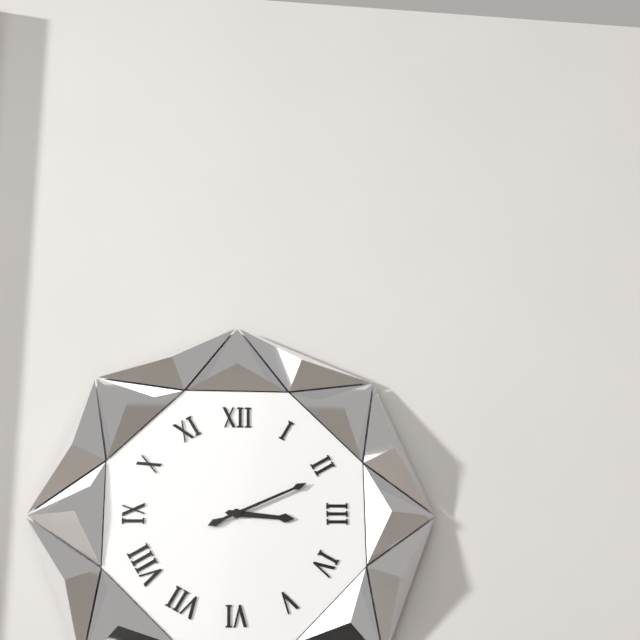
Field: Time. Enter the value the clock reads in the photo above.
3:11
